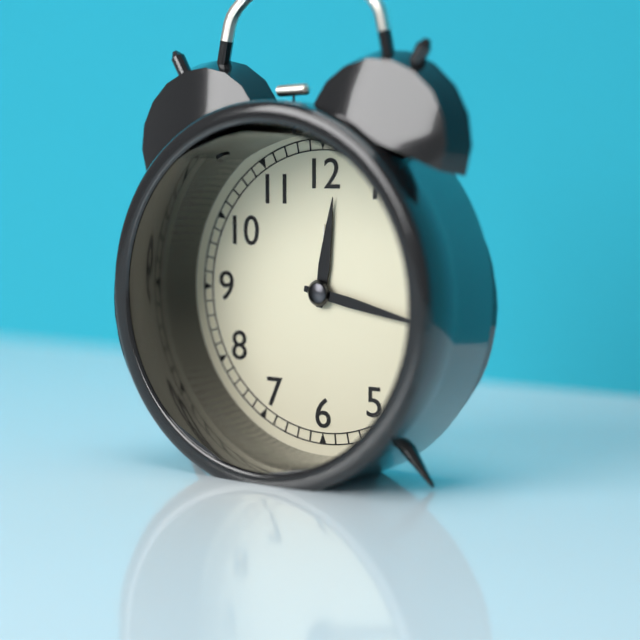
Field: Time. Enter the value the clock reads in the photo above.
12:17
